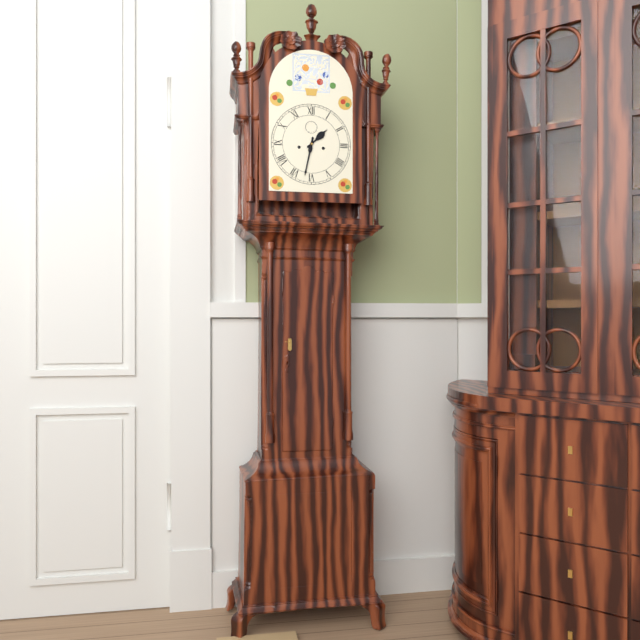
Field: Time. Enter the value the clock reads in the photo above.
1:32
